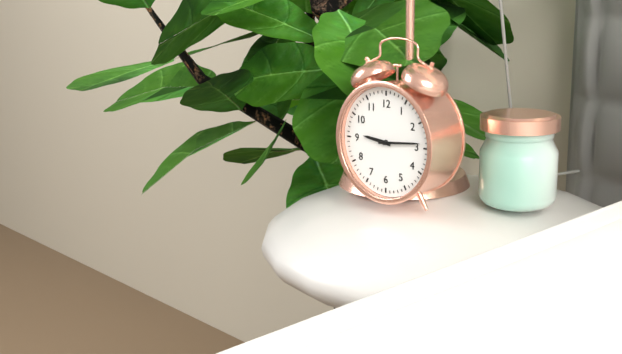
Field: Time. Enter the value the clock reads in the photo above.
9:14
